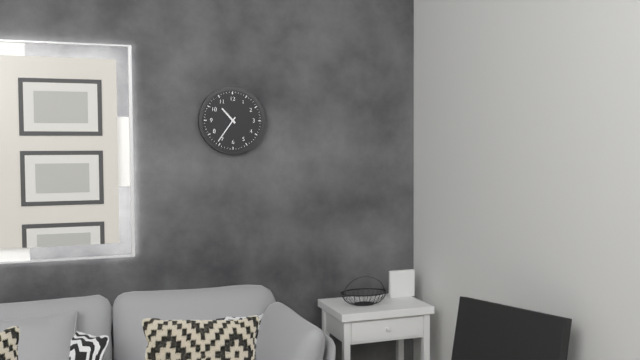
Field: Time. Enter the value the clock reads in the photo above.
10:36
